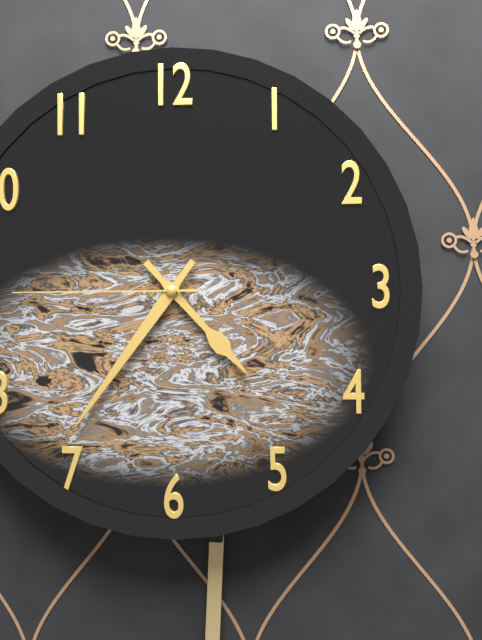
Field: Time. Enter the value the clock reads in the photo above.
4:36:45
